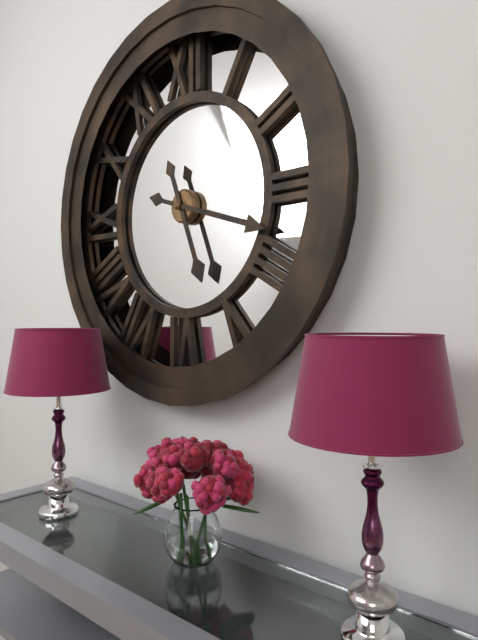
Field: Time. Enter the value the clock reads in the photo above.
5:18
